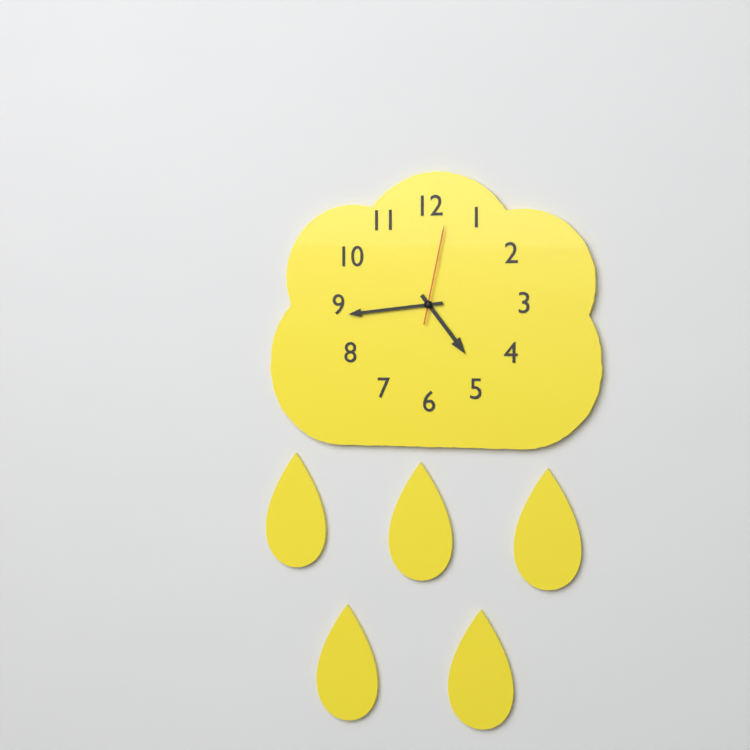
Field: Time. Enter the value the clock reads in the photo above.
4:44:02
